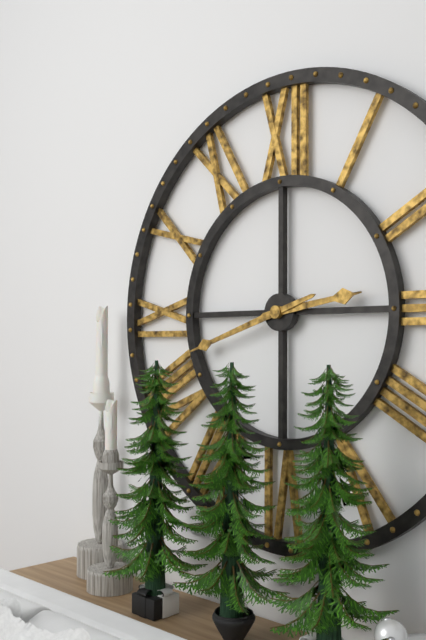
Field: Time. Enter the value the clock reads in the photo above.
2:42
